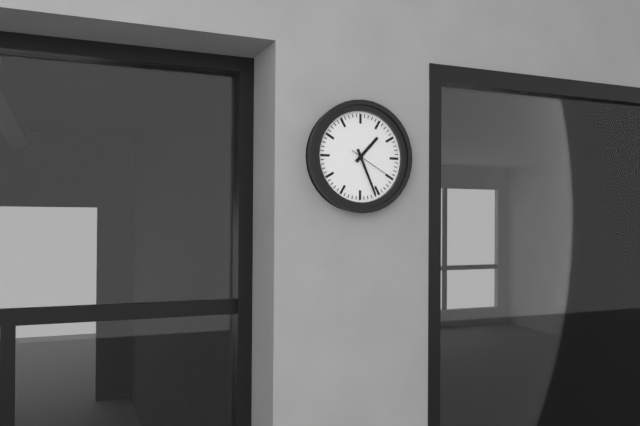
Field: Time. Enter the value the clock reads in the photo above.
1:26
